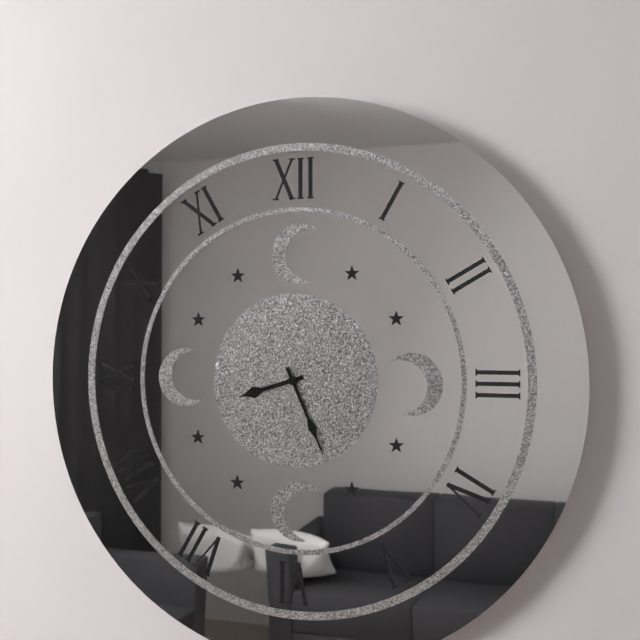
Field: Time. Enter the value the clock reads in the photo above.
8:26
